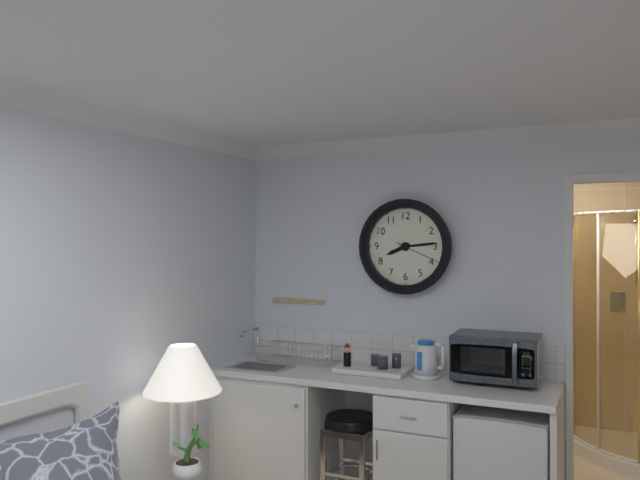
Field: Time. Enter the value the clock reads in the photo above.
8:14
